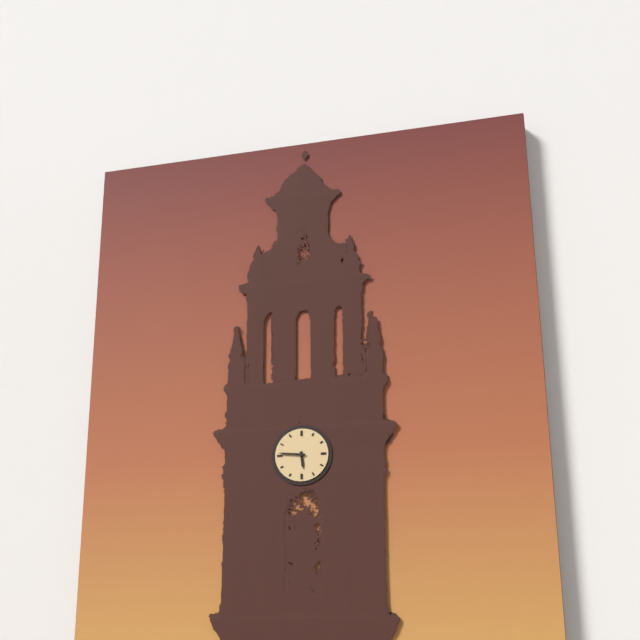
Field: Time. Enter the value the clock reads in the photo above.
5:46
